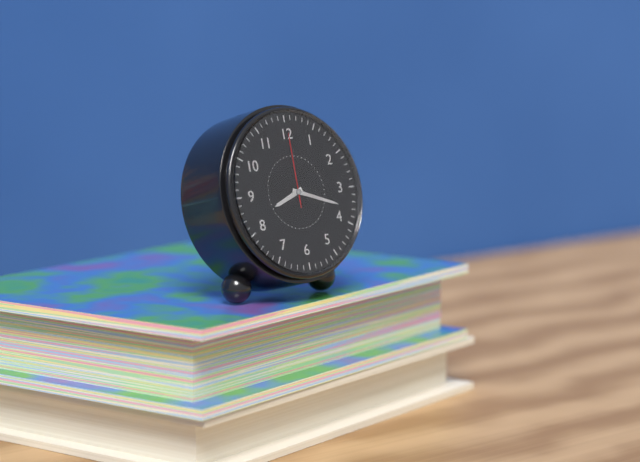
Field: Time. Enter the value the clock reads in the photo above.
8:18:00
